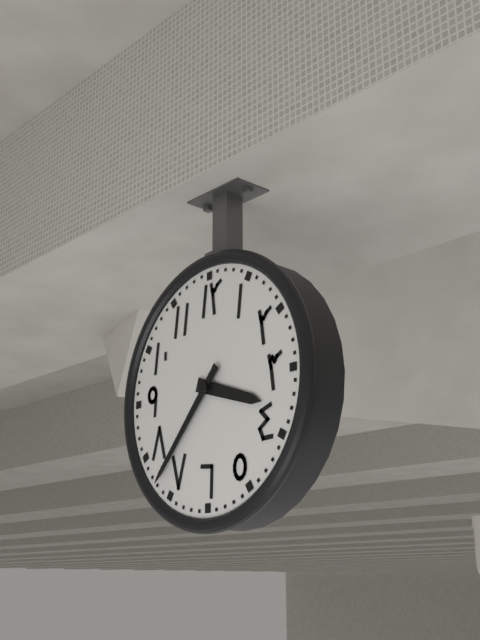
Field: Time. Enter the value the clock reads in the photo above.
3:37
